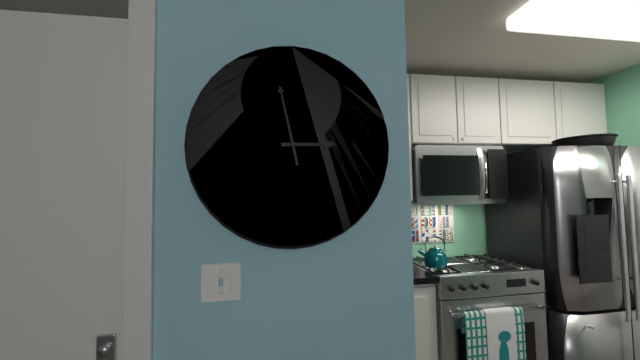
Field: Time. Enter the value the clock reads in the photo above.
2:58
